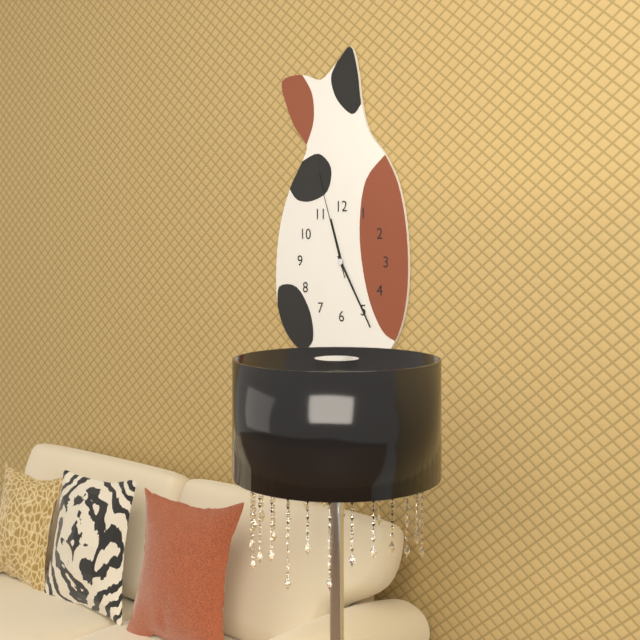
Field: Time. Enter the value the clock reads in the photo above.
11:25:57
